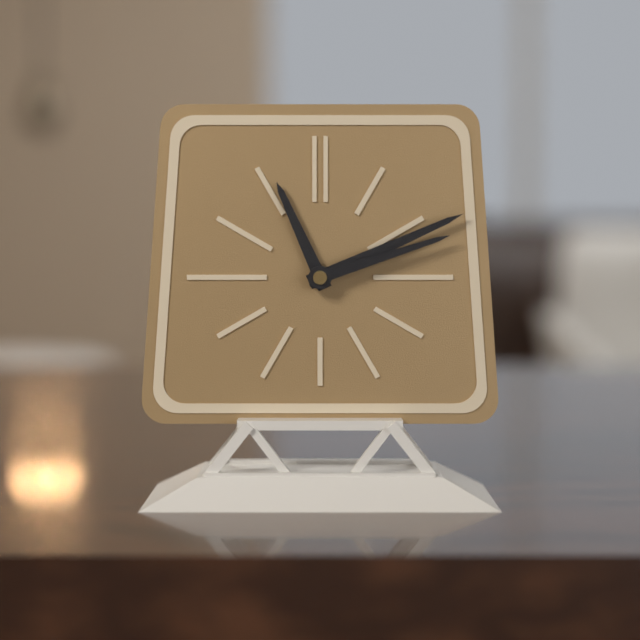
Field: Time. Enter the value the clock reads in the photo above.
11:11:12
